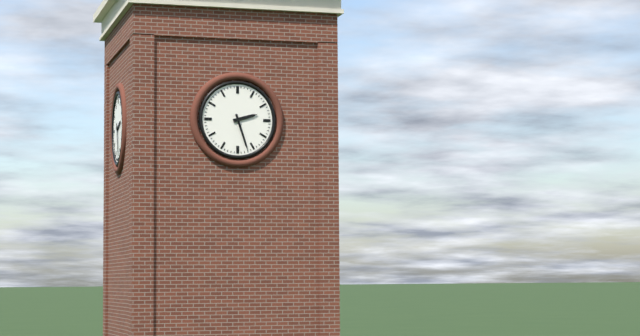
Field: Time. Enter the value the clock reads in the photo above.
2:27
